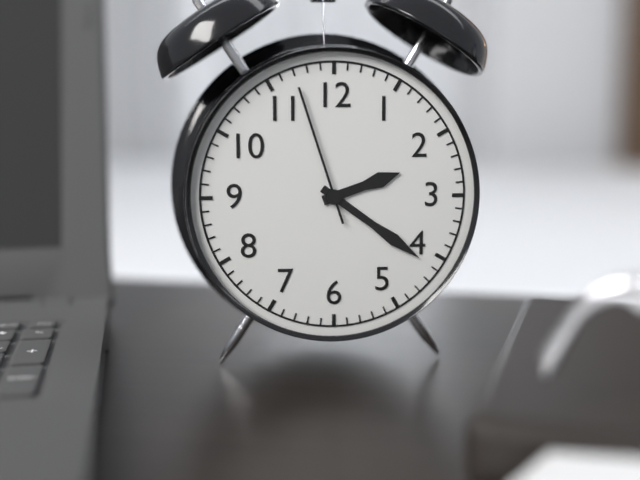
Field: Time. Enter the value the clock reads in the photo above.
2:21:57
